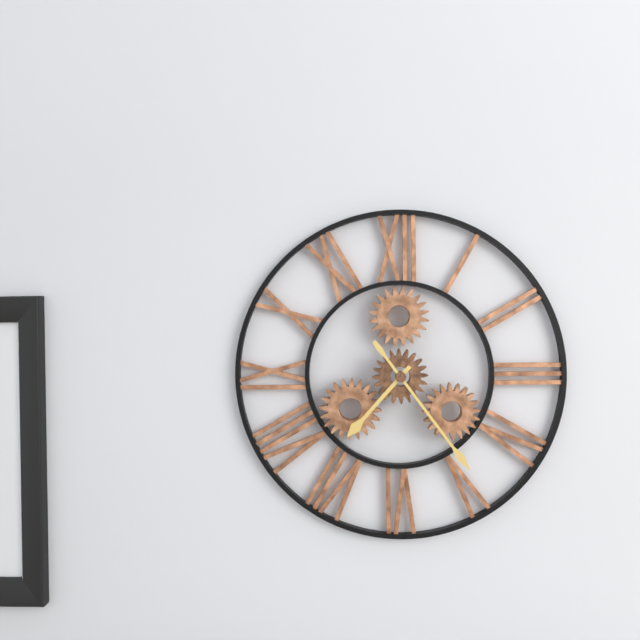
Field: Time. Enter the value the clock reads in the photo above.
7:24
